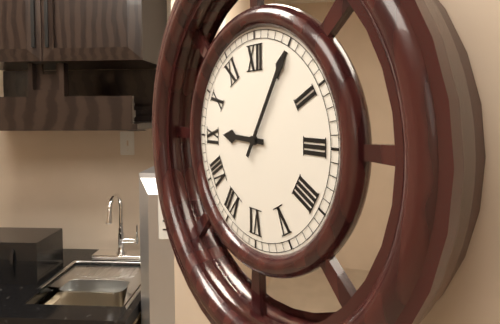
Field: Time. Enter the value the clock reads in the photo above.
9:05
